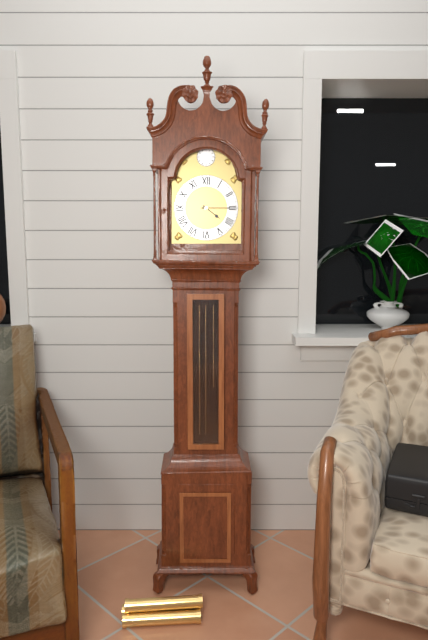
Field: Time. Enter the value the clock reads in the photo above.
4:15
